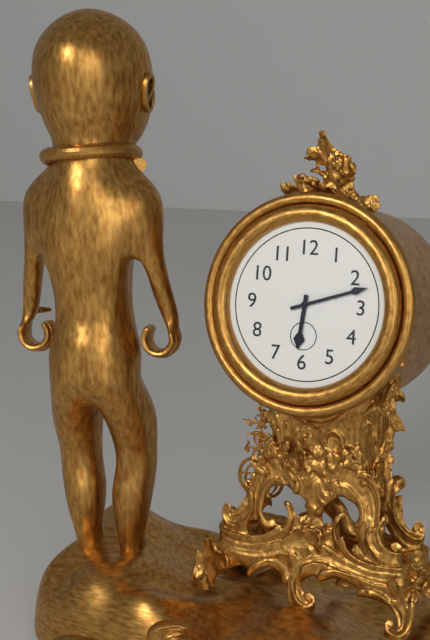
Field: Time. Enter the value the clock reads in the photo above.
6:12
